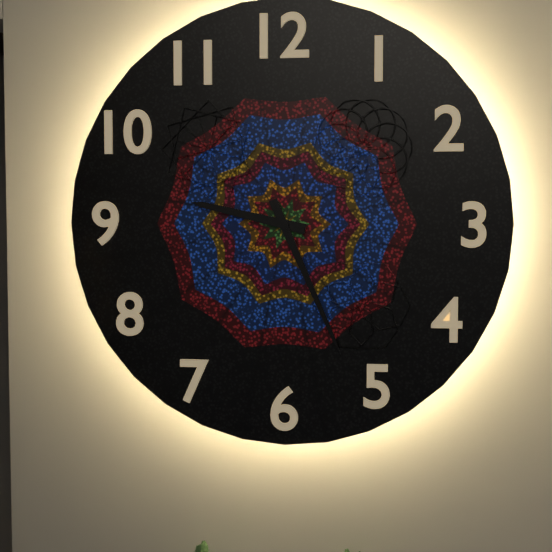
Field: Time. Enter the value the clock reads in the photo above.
9:26
